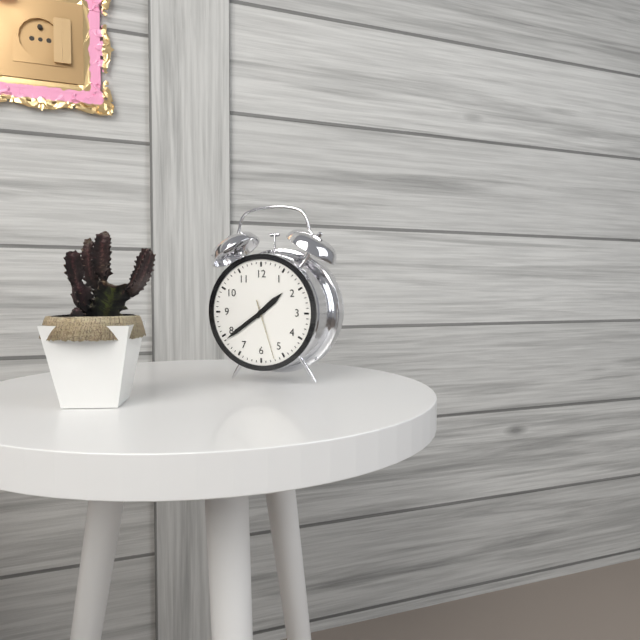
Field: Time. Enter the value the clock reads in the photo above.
1:39:27
